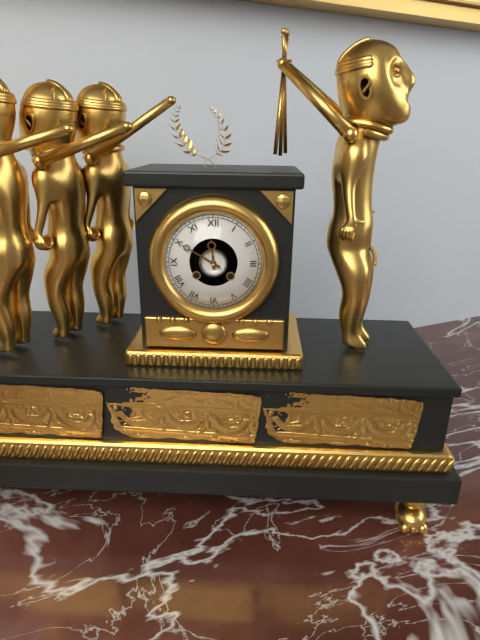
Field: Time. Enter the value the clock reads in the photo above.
11:50
